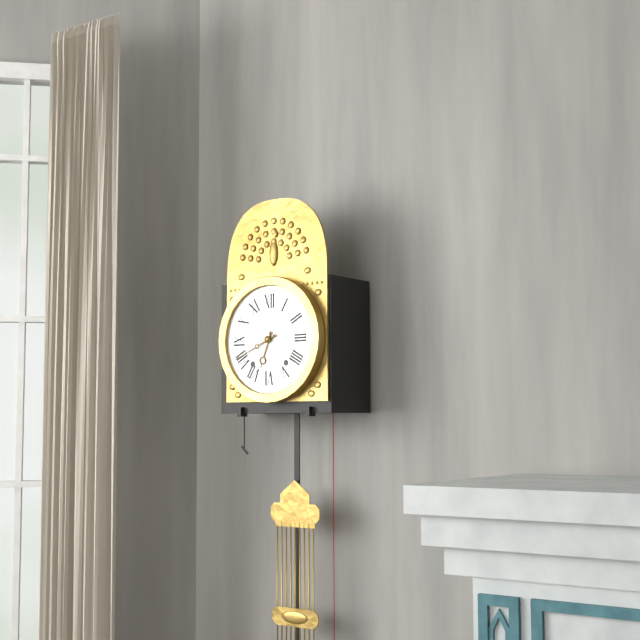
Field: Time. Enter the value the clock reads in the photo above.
6:41
